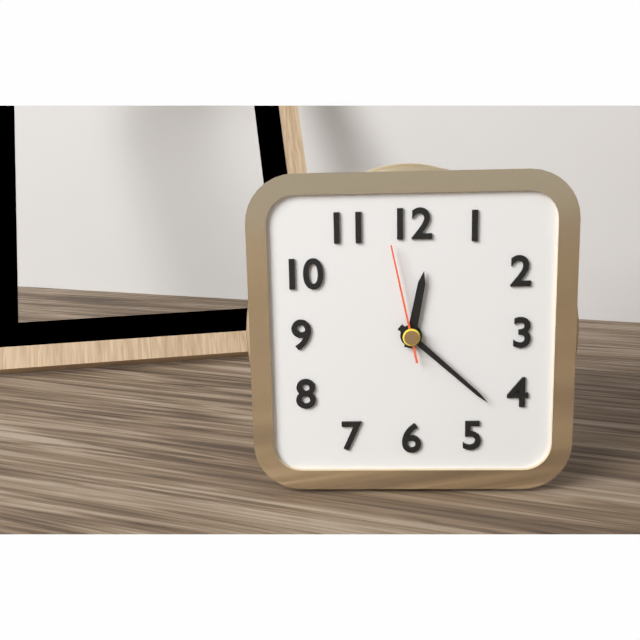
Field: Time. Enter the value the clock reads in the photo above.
12:22:58
